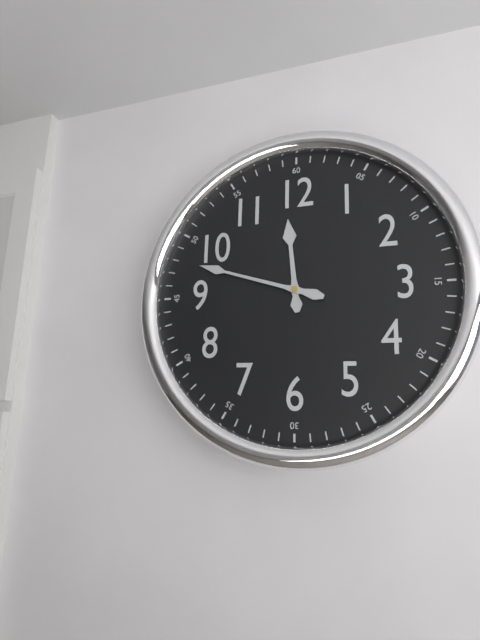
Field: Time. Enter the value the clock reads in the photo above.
11:48
